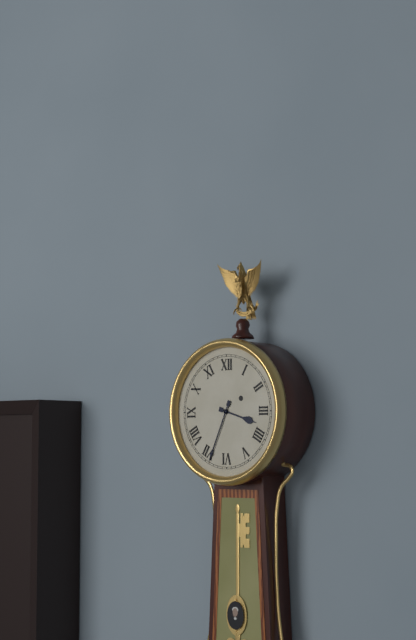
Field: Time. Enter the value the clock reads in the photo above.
3:34
